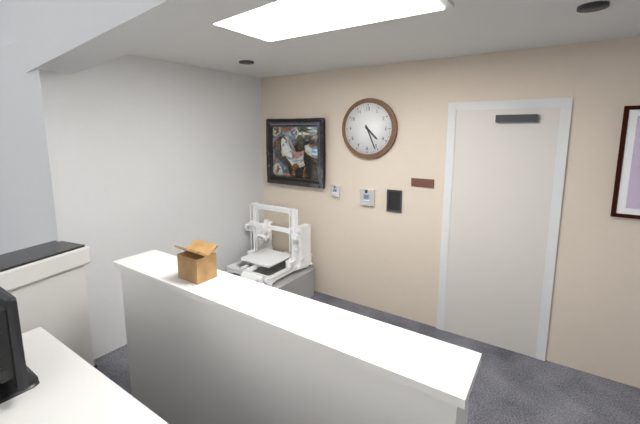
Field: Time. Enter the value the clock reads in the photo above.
4:26
